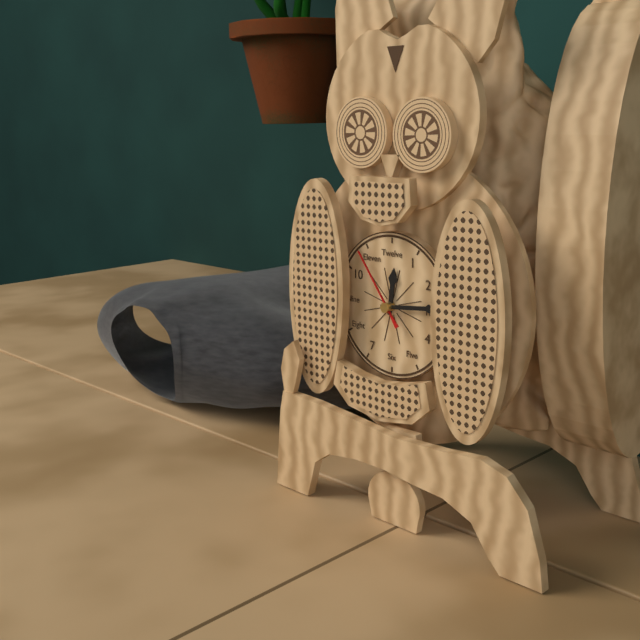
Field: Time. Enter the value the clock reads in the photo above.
12:14:54
